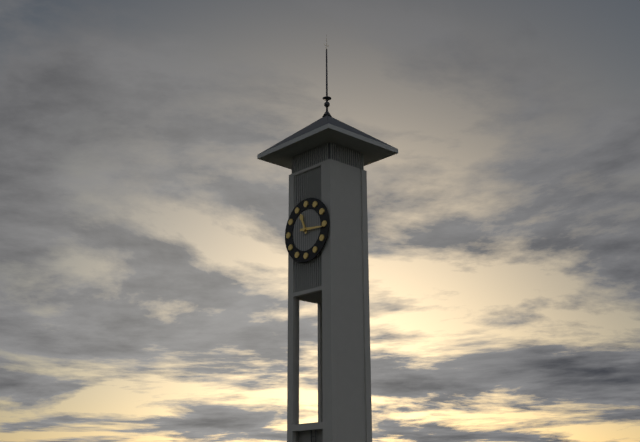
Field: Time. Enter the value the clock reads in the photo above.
11:16
